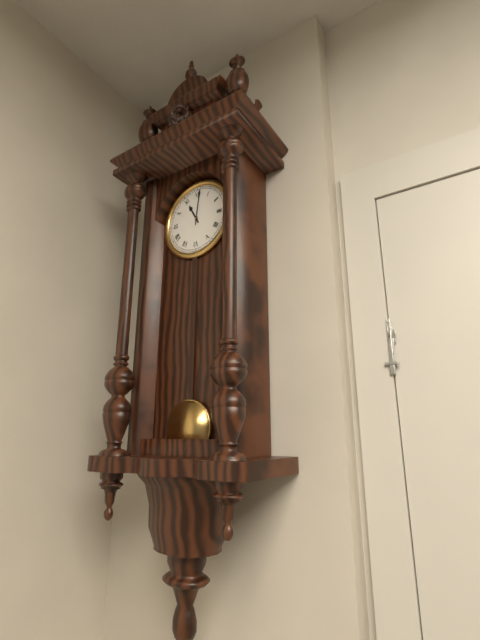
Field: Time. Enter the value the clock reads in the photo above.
11:01
